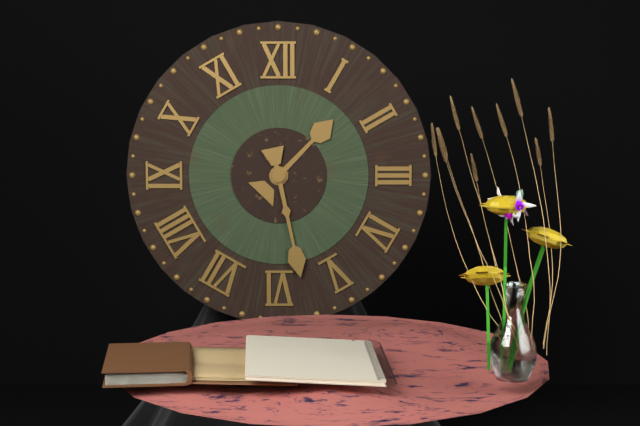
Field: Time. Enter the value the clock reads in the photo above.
1:28
